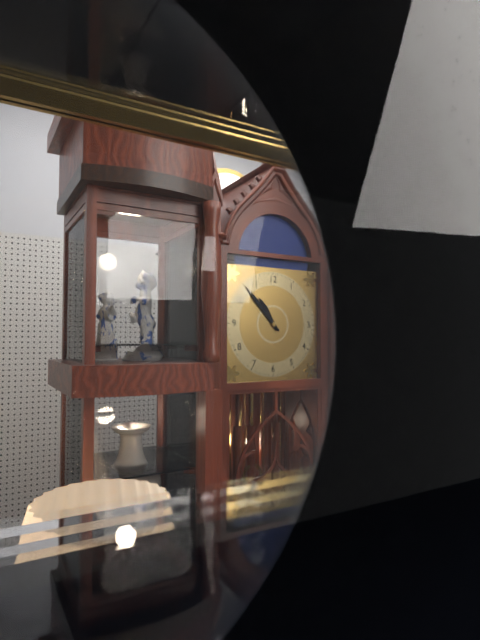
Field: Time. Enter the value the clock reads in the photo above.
10:53
